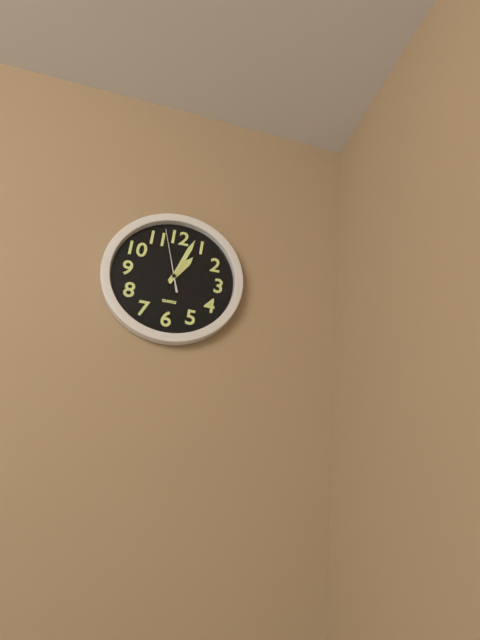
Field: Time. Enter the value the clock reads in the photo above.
1:03:57
